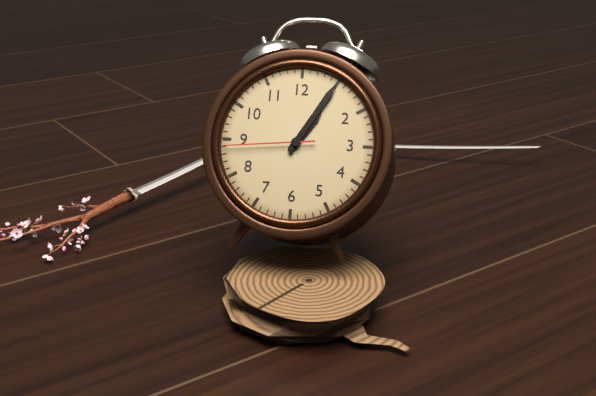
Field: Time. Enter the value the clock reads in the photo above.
1:05:44
